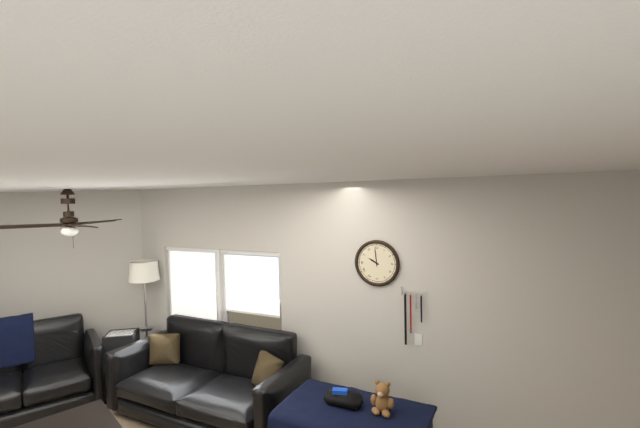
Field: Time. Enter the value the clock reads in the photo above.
9:59
